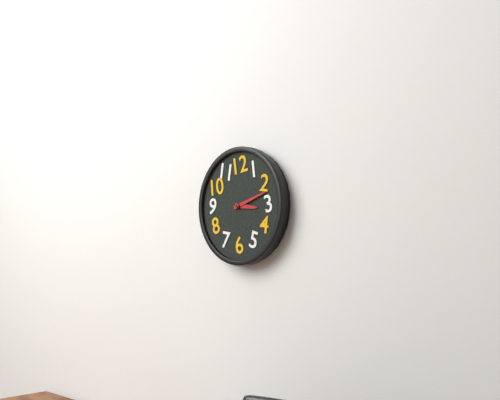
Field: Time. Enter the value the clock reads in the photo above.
3:12
